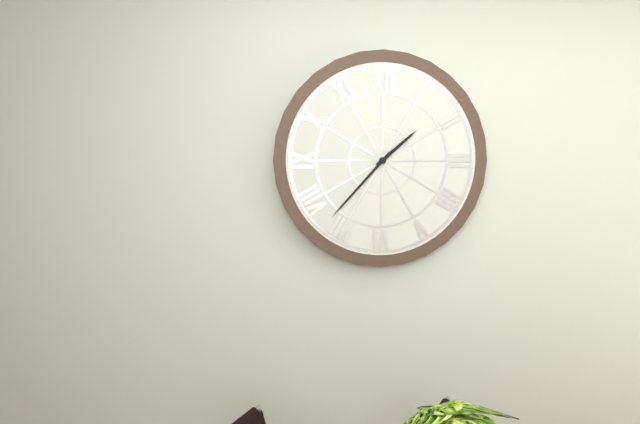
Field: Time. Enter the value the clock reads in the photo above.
1:37
